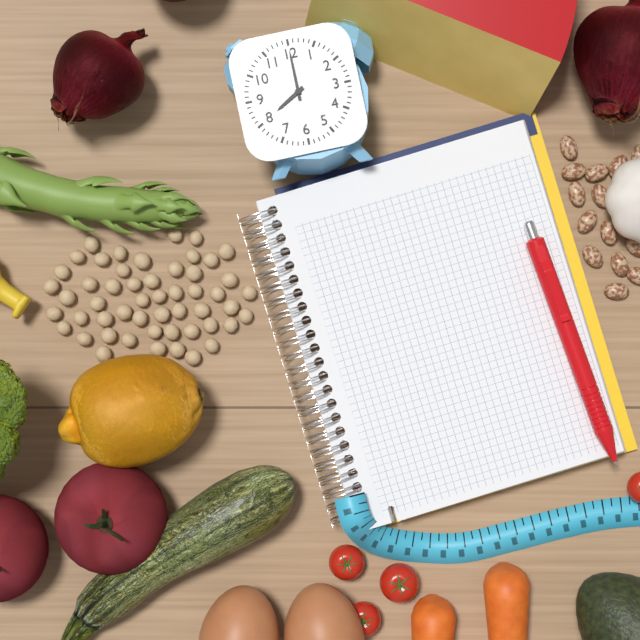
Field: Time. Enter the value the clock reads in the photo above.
8:00
